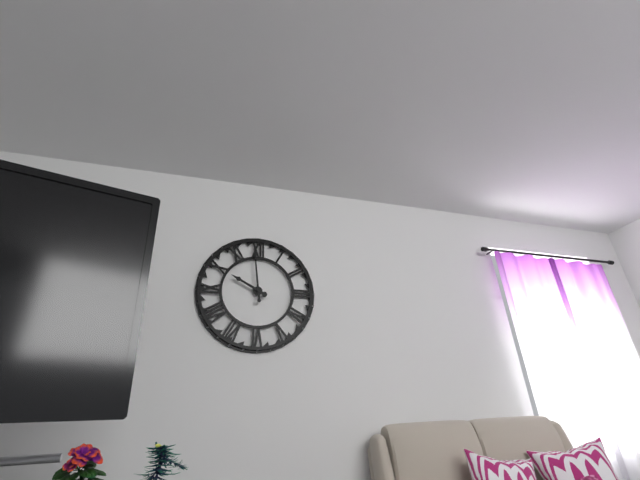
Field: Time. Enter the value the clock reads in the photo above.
9:59
